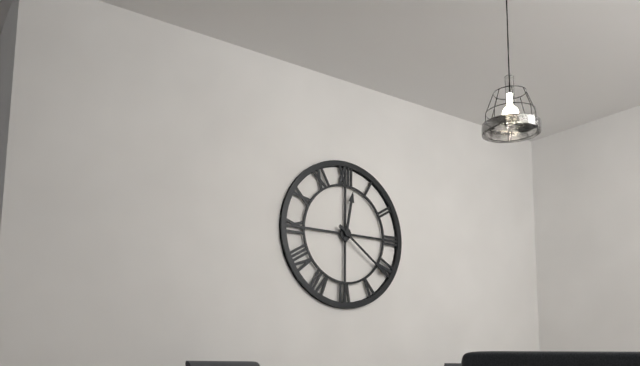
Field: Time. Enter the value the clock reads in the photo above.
12:21
